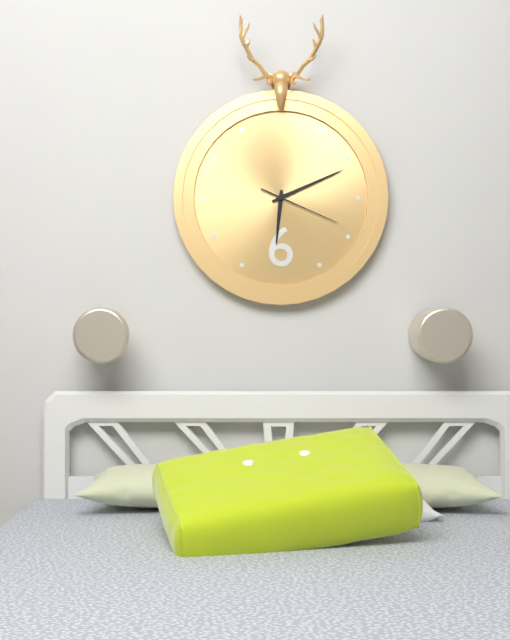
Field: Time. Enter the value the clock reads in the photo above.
6:11:19
